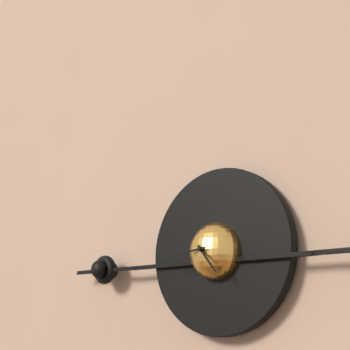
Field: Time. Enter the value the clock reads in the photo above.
4:44
